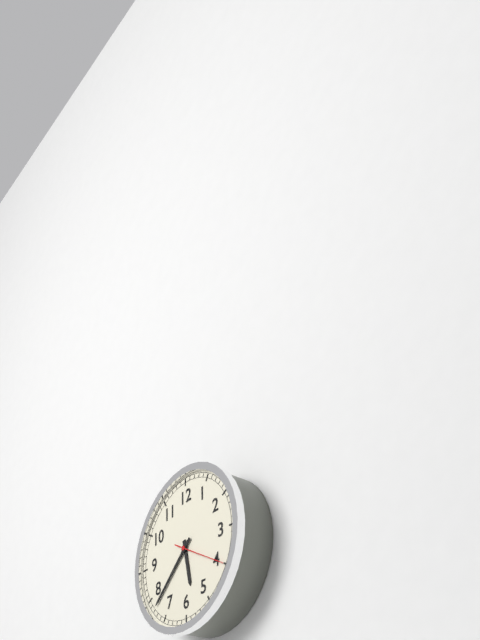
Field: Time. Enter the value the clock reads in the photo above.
5:38
